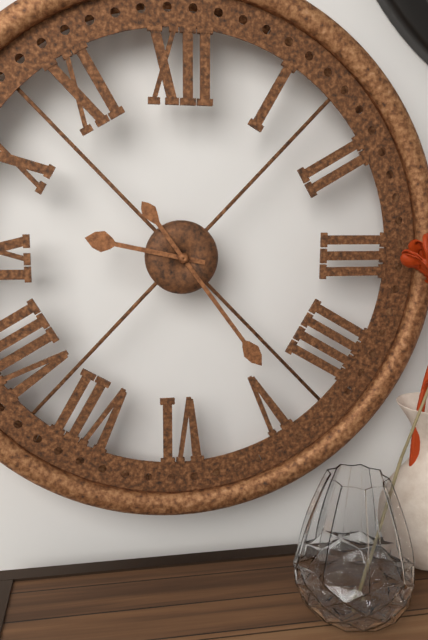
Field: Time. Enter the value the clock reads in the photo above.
9:24
